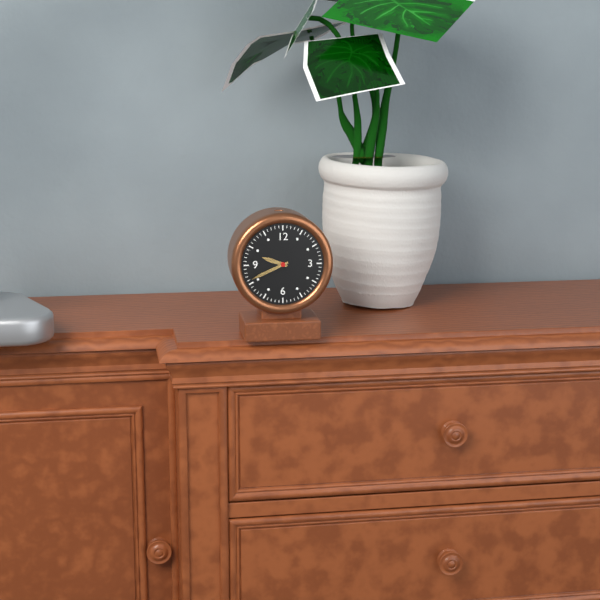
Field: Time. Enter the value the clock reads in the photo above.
9:41
